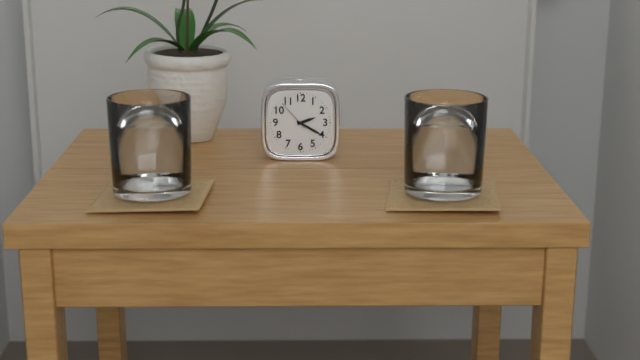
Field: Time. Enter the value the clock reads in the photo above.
2:20
